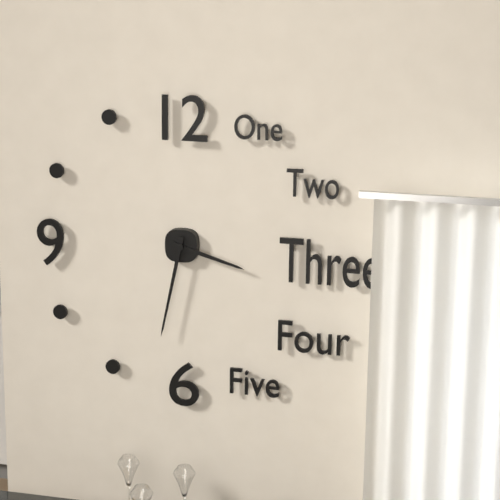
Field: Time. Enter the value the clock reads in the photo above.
3:32
